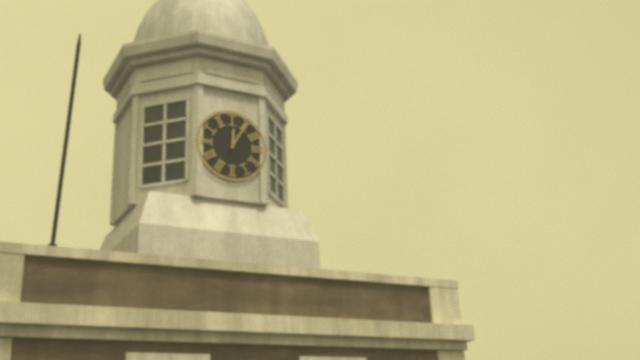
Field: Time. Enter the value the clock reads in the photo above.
12:05
